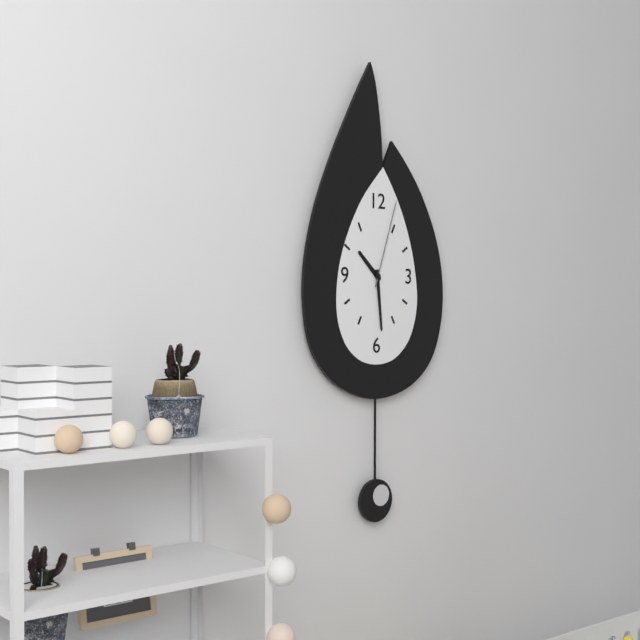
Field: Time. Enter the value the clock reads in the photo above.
10:29:03
